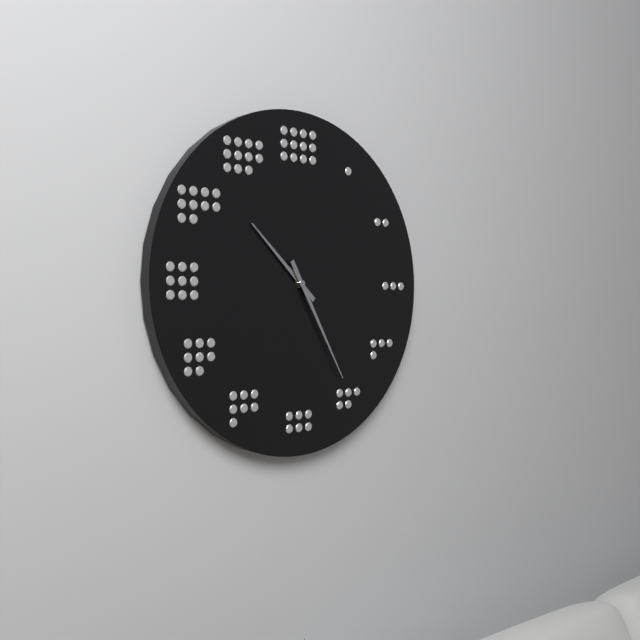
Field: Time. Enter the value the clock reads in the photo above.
10:25
